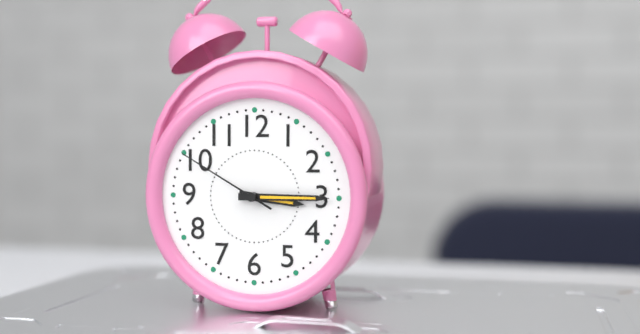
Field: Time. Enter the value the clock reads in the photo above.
3:15:50
